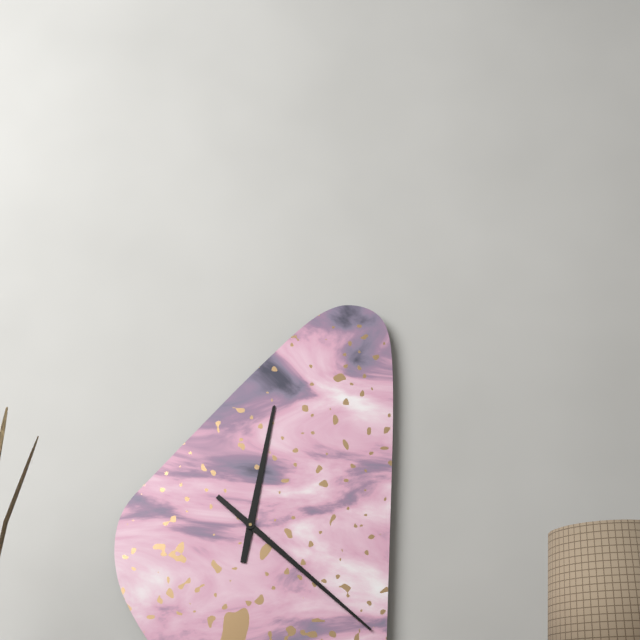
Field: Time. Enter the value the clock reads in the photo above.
12:22
